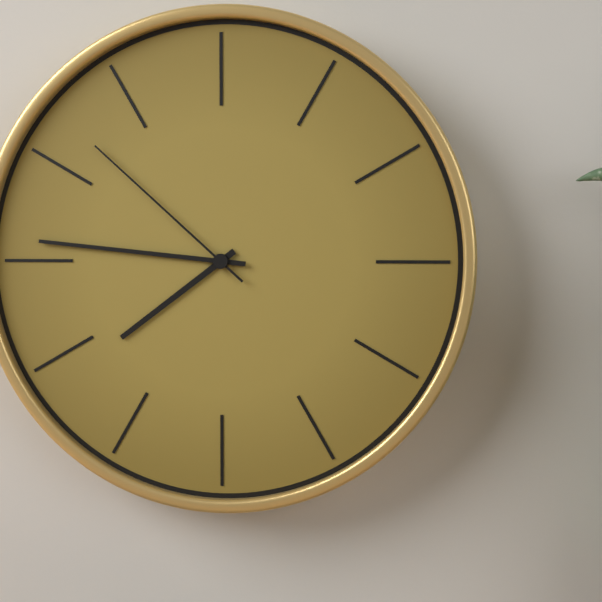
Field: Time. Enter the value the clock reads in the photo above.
7:46:52
